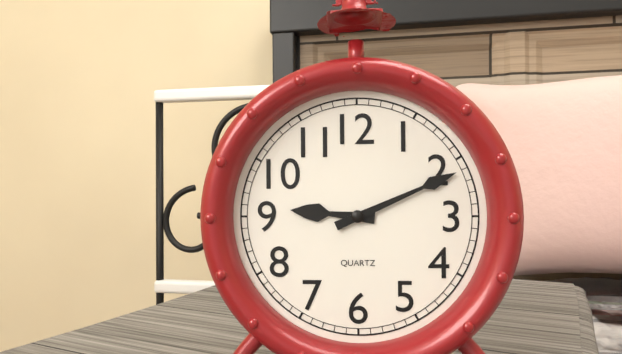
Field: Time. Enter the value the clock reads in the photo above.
9:11
